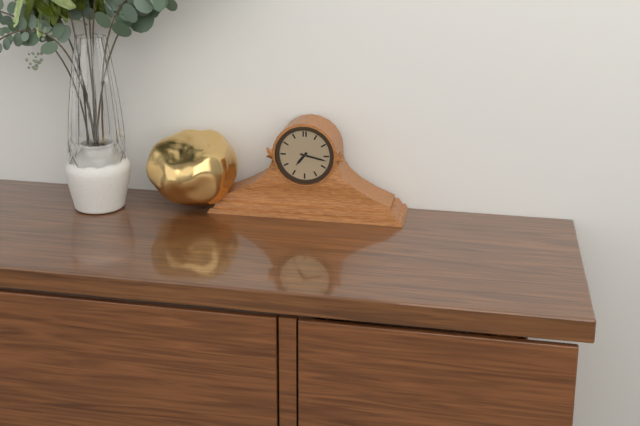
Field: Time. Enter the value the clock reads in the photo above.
7:17
